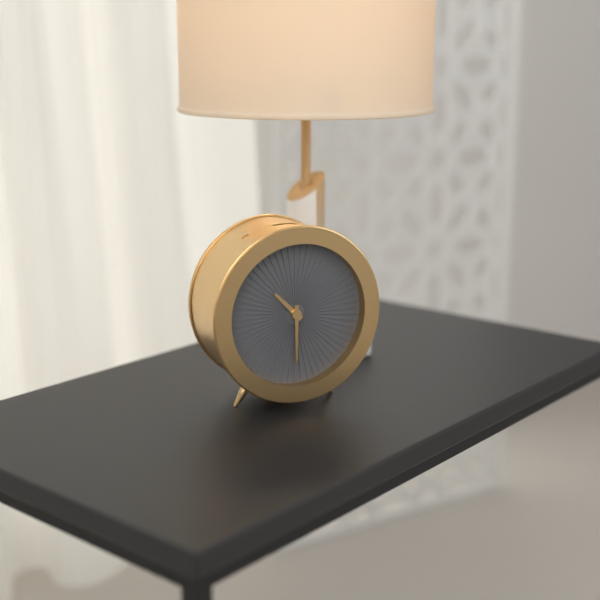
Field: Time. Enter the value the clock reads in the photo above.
10:30
